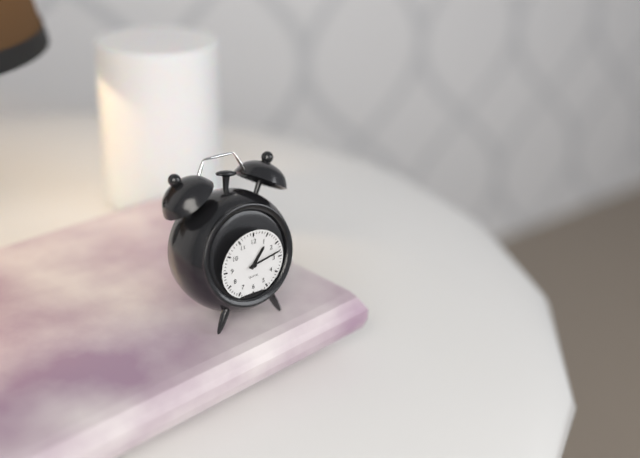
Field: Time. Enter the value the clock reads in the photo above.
1:13
